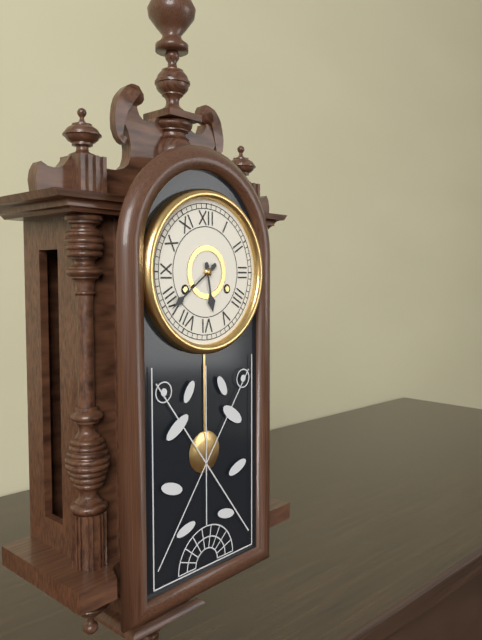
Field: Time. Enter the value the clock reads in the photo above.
5:39
